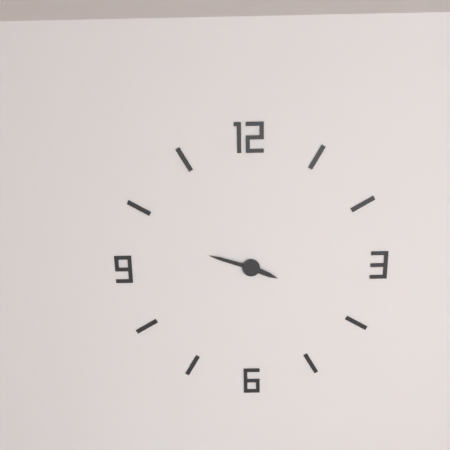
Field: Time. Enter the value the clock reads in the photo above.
3:48
